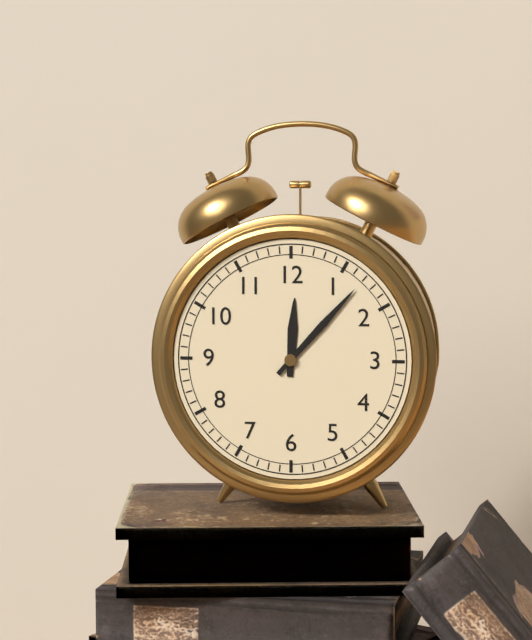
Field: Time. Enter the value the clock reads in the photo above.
12:07
